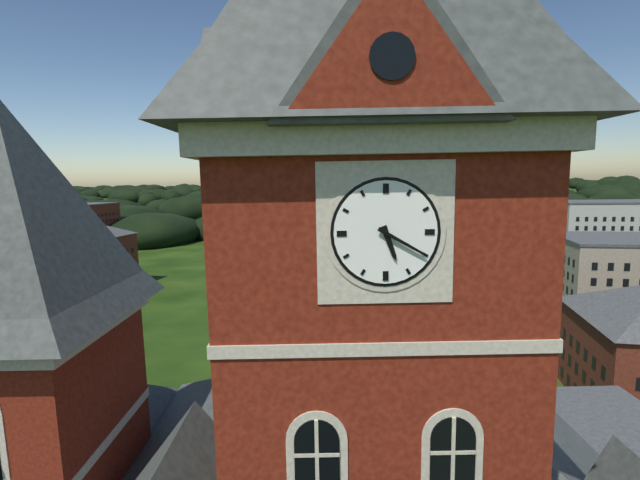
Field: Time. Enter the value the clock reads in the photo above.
5:20
